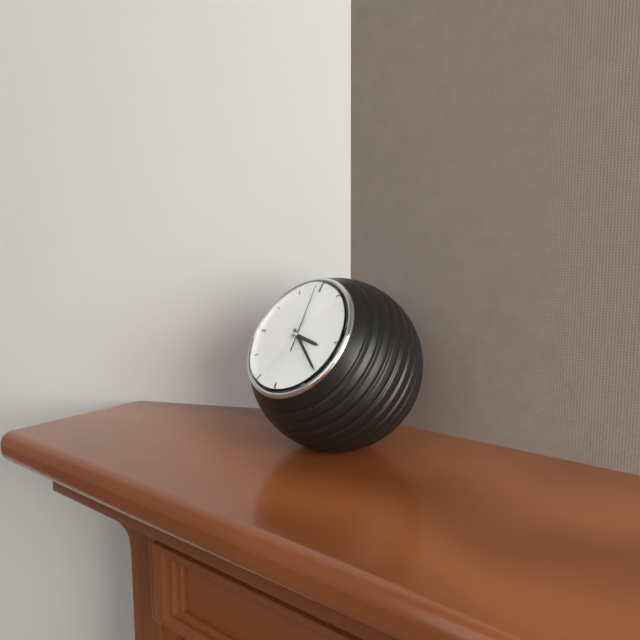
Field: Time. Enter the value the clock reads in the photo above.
3:21:59
